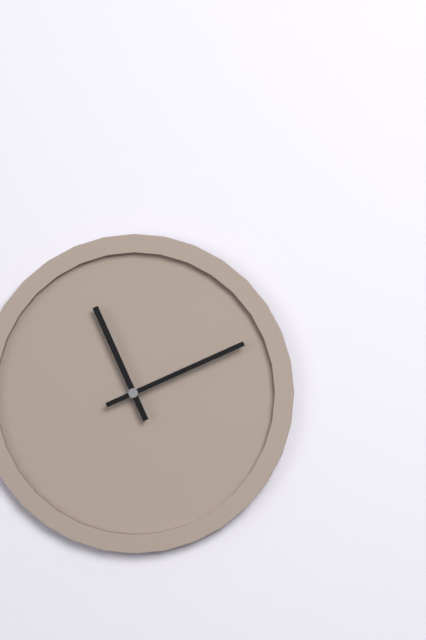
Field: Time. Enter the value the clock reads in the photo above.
11:11
